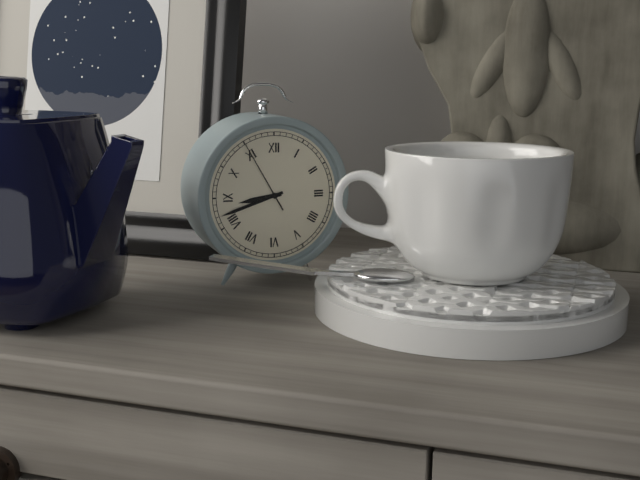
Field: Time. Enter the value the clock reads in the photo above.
8:42:55
